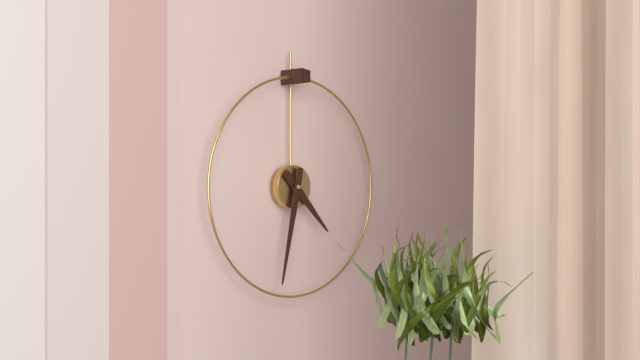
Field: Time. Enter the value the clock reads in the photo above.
4:32
